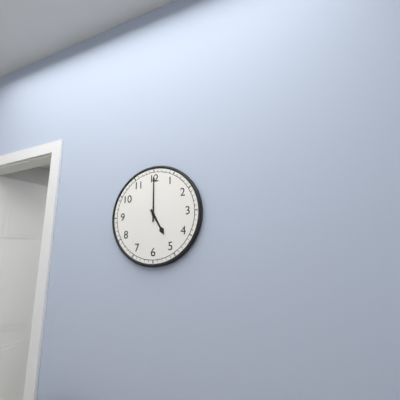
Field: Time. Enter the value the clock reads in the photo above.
5:00
